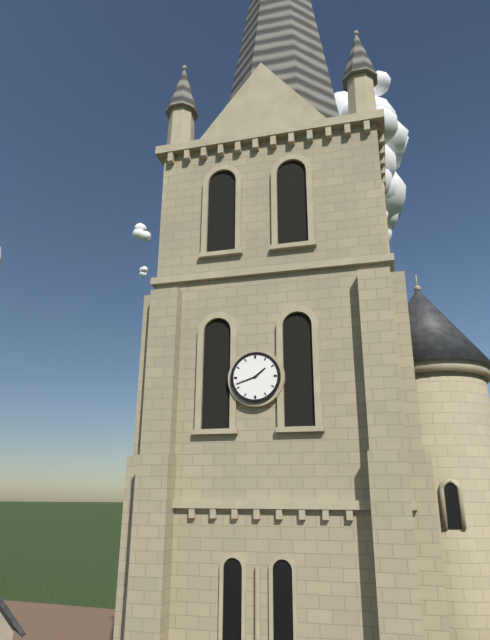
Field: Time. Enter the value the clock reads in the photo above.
1:42
